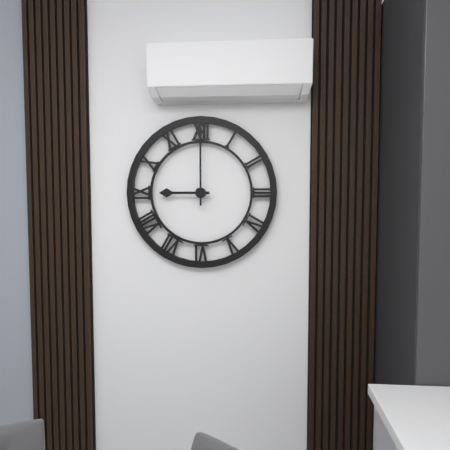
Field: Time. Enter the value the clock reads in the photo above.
9:00
